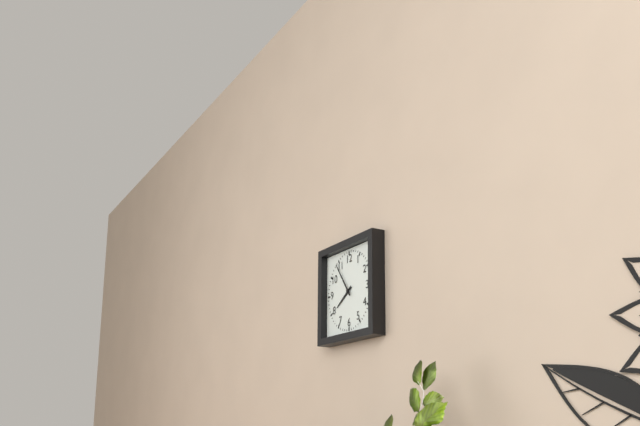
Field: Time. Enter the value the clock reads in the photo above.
7:54
